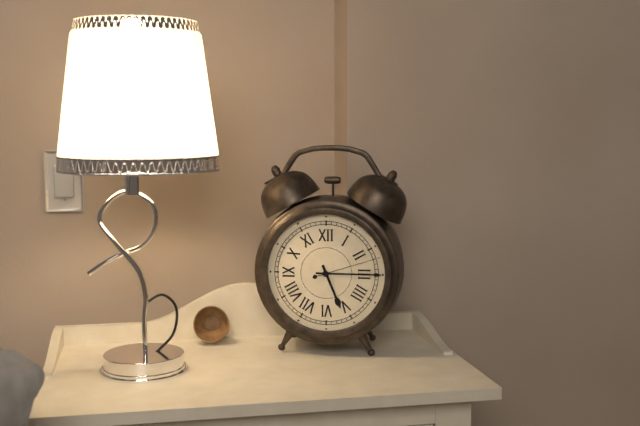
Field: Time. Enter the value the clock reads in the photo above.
5:15:12
